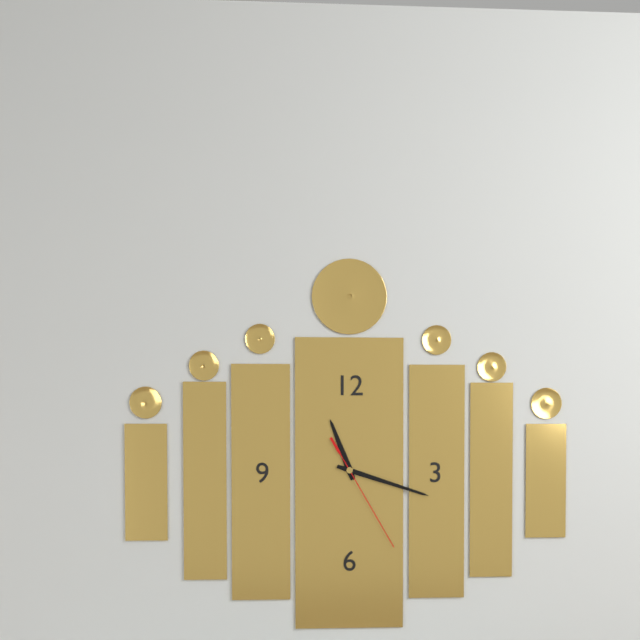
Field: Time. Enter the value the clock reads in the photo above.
11:18:25
